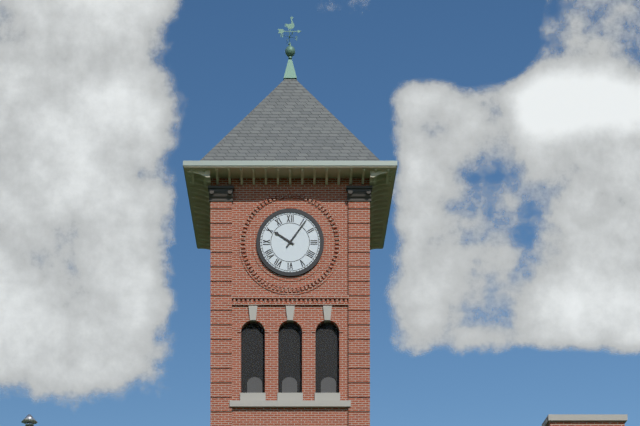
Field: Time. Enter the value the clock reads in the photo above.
10:06
